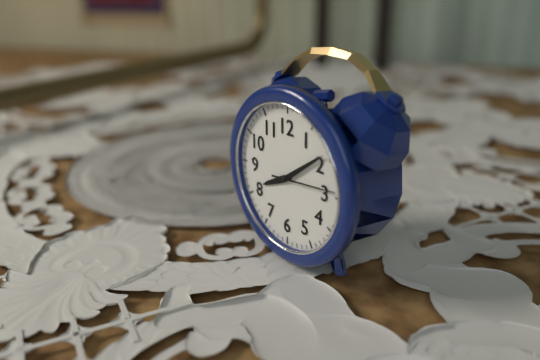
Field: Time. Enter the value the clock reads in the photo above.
8:09:14
